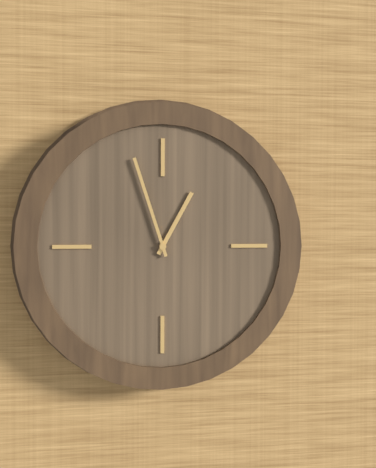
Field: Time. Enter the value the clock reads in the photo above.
12:57
